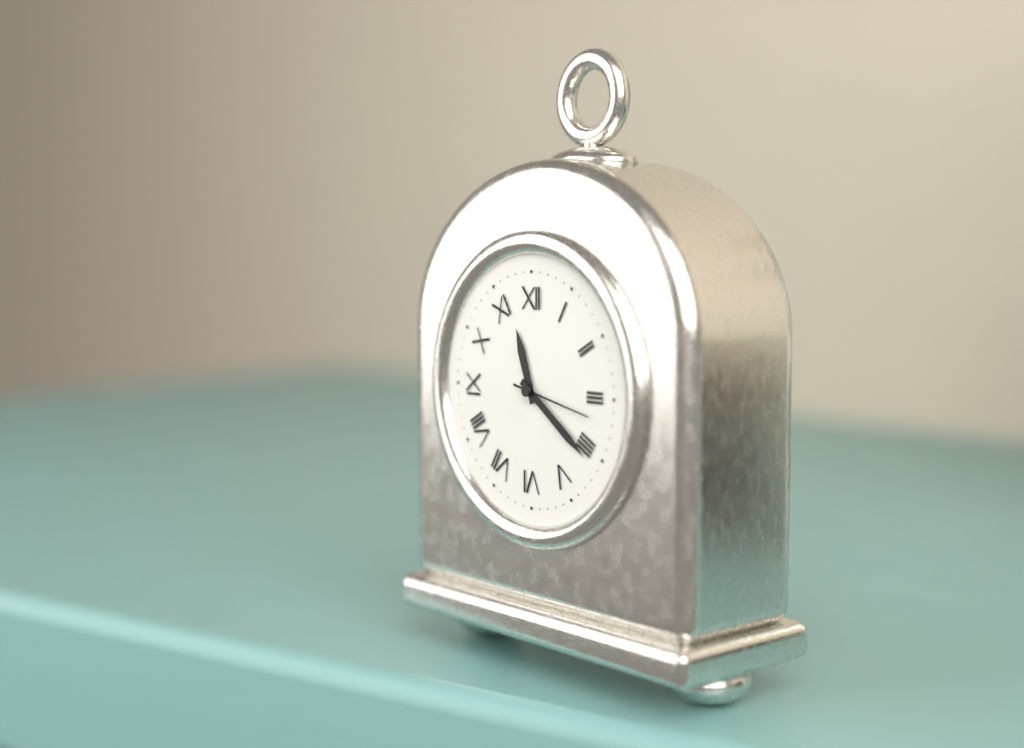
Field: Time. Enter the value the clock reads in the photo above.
11:21:17
